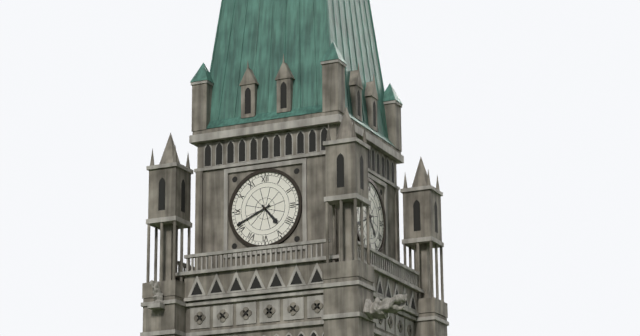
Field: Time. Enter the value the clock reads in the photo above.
4:41
